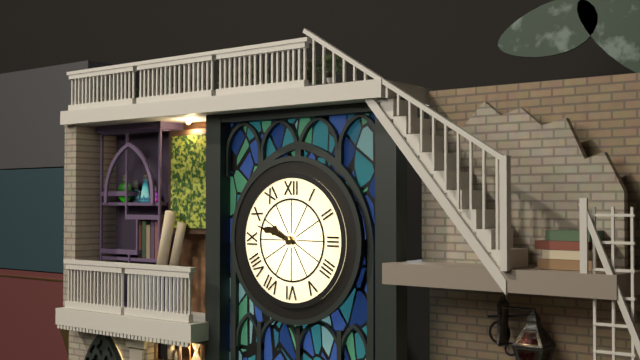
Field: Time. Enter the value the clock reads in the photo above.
9:48
